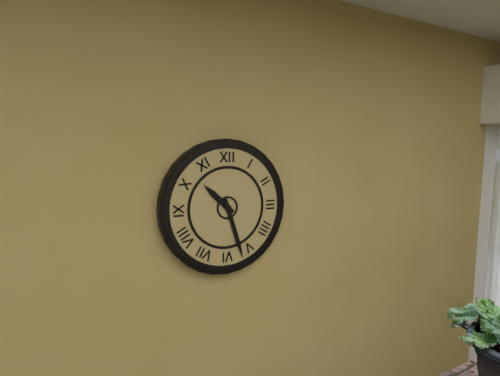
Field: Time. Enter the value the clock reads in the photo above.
10:27
